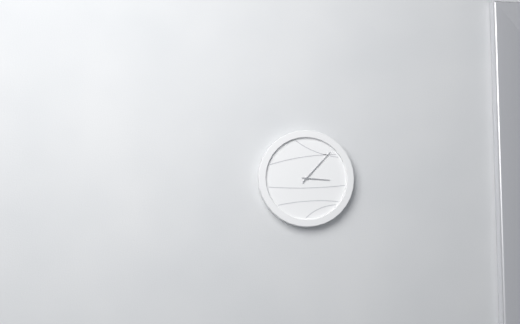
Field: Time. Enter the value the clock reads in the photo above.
3:07
